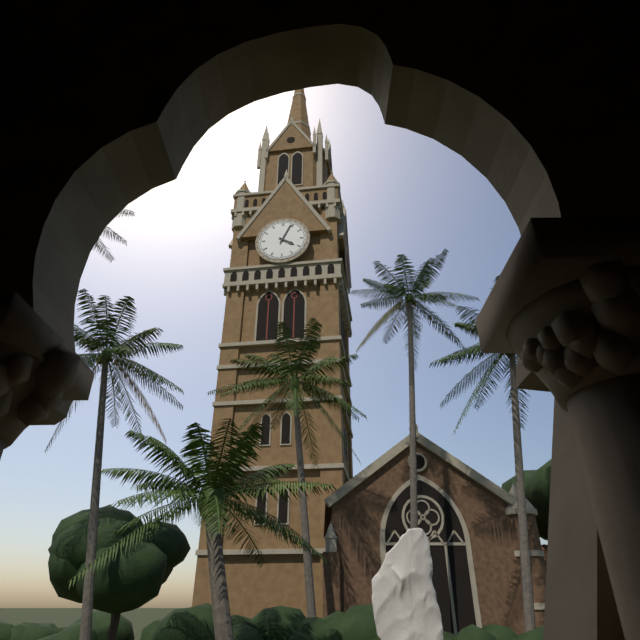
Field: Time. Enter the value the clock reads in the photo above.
4:04
